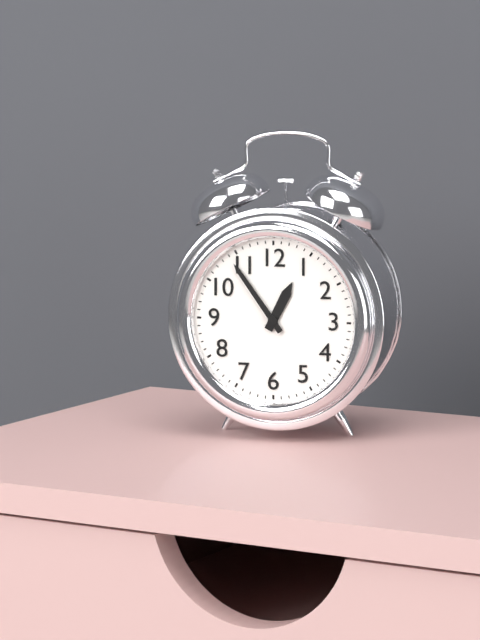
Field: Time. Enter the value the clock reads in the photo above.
12:54
